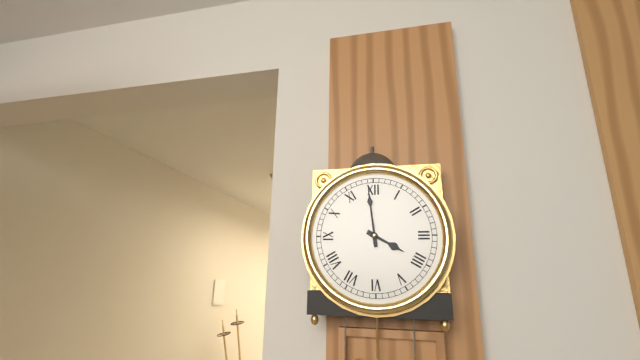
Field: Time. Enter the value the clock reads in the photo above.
3:59
